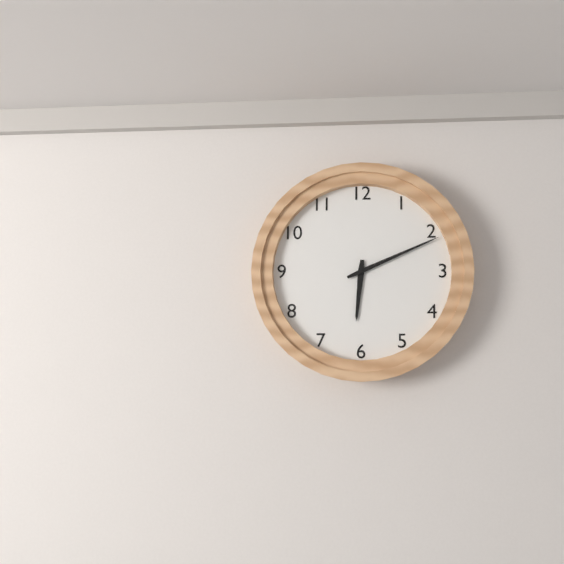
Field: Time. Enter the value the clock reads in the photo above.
6:11
